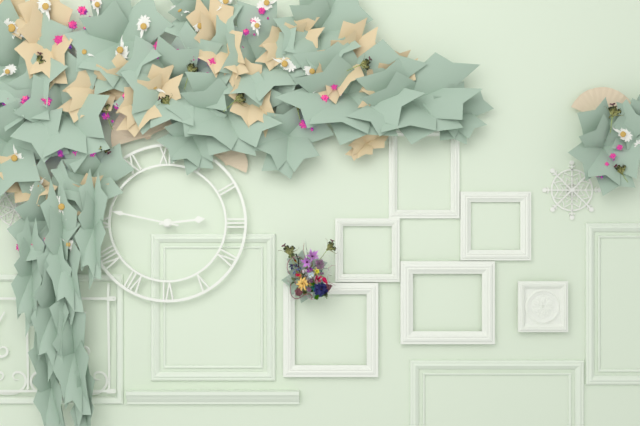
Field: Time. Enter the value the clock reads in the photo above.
2:47
